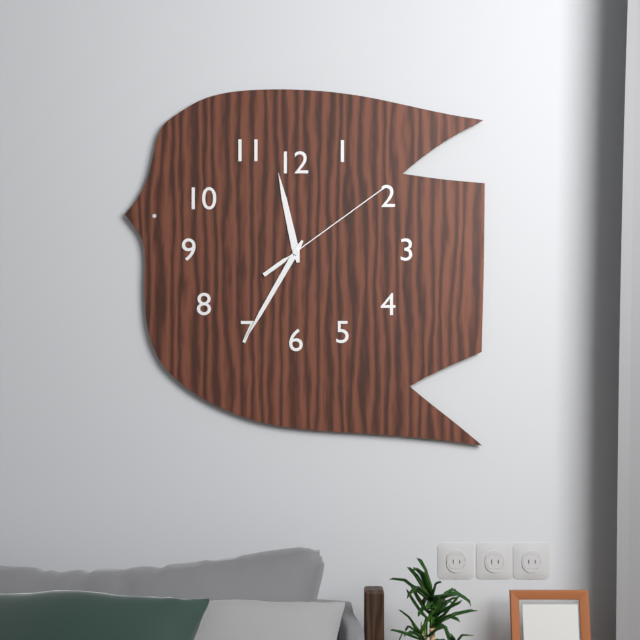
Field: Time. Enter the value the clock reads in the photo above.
11:35:09
